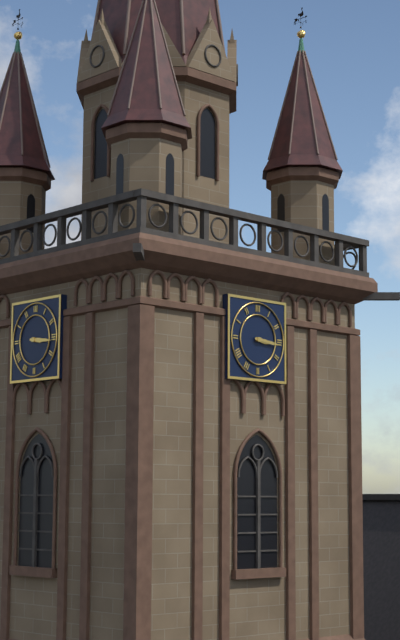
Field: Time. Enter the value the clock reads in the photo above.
3:16
